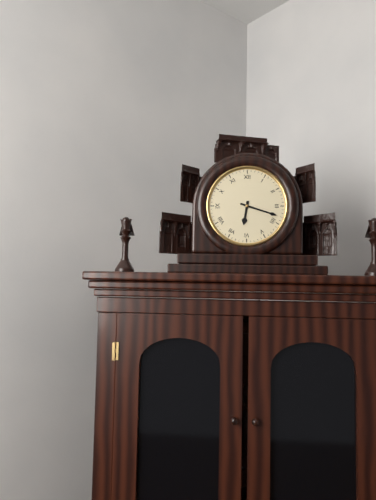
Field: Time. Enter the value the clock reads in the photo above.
6:18
